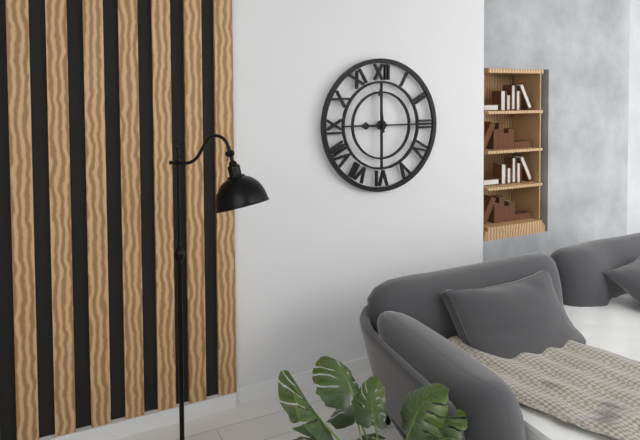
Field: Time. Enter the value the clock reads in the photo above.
8:59
